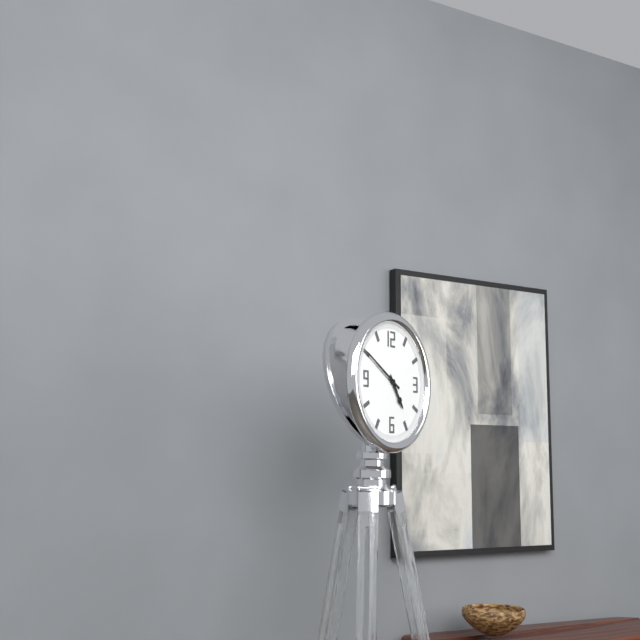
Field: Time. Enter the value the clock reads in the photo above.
4:50
